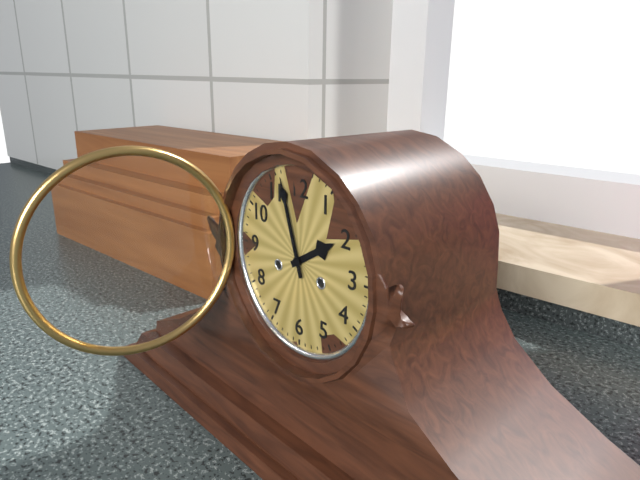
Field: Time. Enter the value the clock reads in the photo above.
1:57
